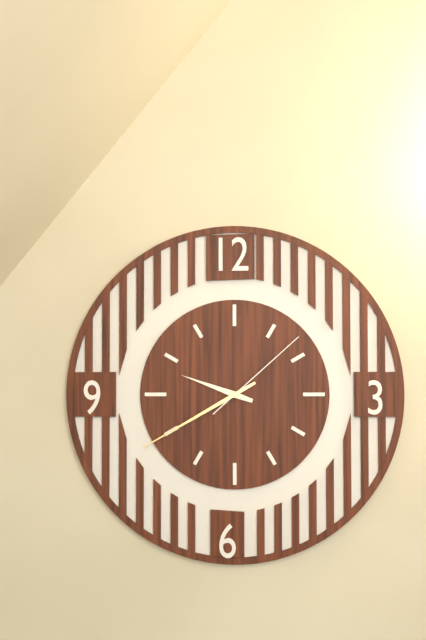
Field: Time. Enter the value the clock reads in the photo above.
9:40:08
